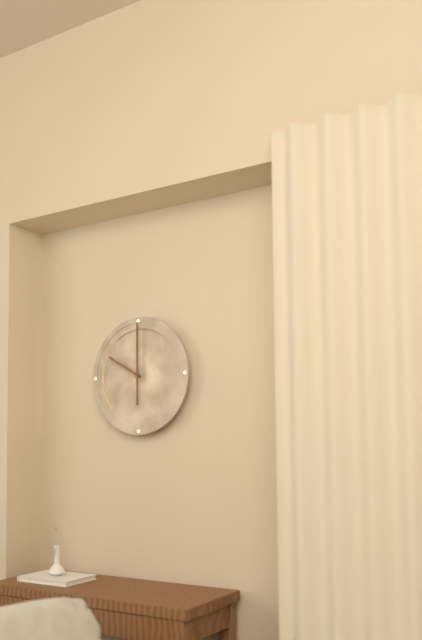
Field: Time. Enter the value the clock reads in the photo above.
10:00
